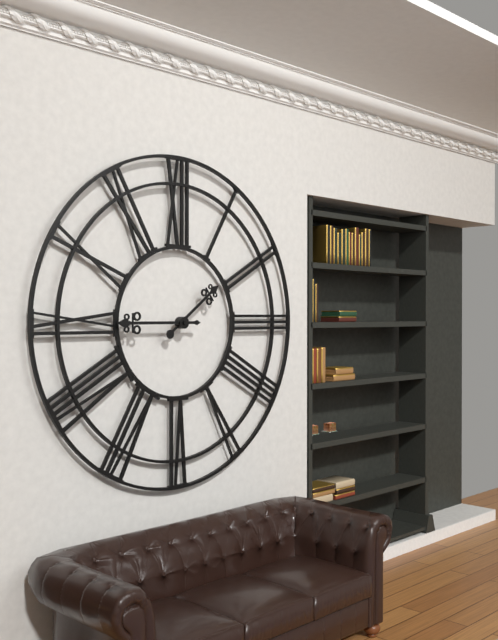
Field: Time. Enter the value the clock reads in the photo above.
1:45
